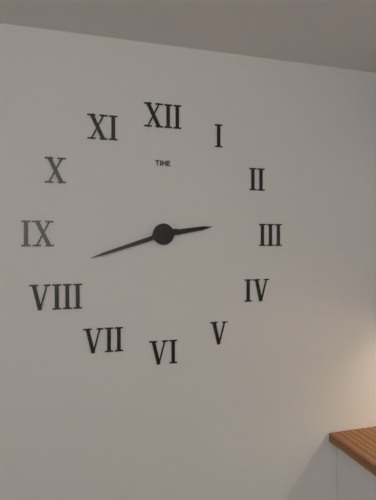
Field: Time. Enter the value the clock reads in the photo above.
2:42
